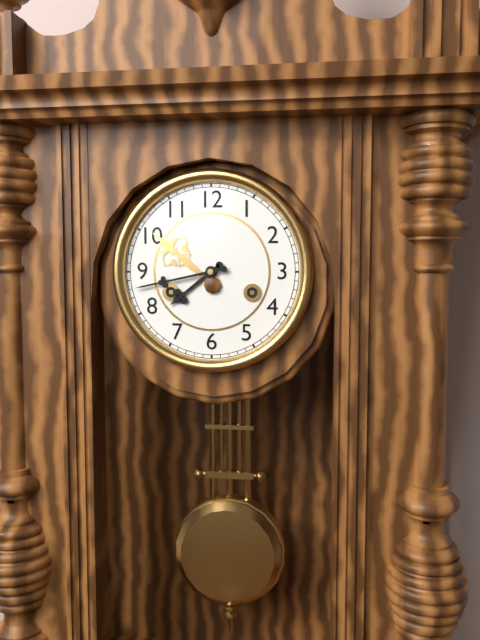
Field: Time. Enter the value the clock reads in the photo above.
7:43
